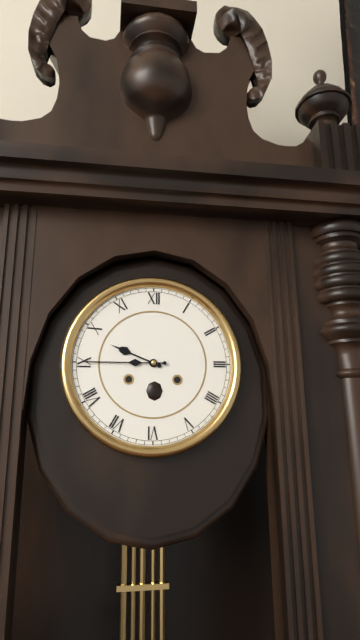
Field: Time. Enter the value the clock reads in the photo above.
9:45
